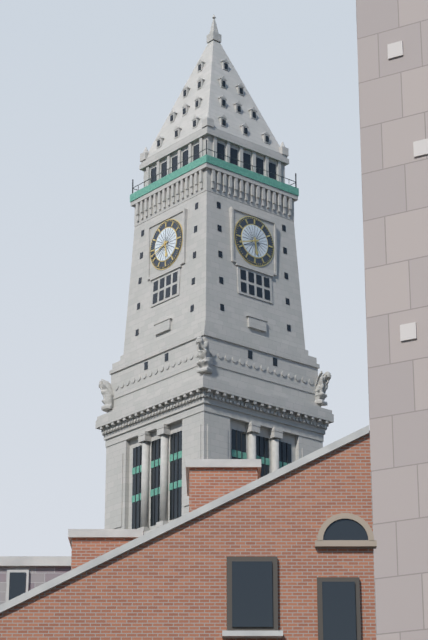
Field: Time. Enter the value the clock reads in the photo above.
5:42
